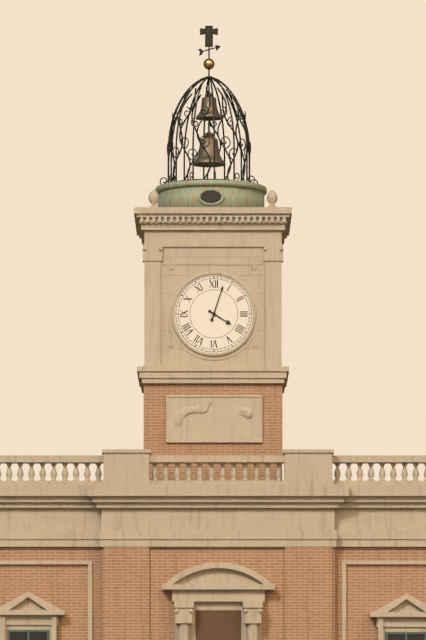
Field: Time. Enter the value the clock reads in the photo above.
4:03
